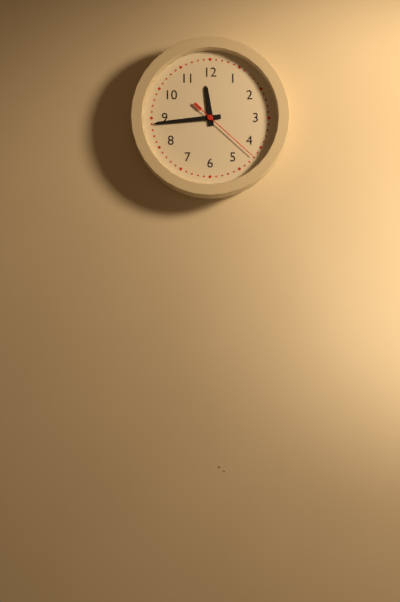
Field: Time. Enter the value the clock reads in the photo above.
11:44:22
